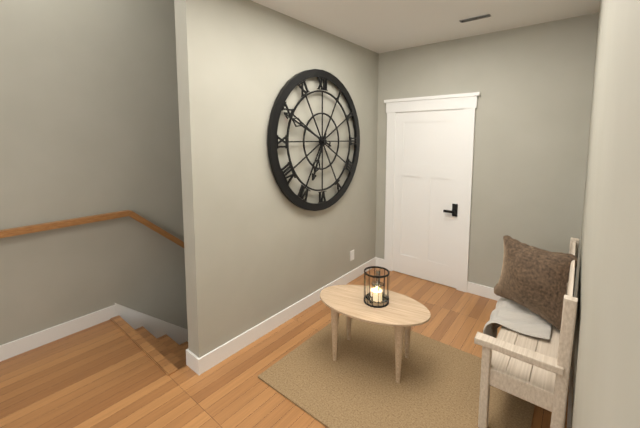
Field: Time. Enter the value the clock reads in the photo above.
6:49
